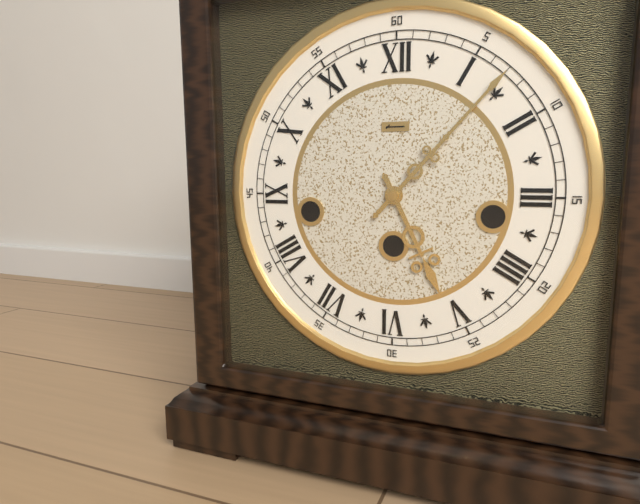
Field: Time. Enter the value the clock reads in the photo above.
5:07
